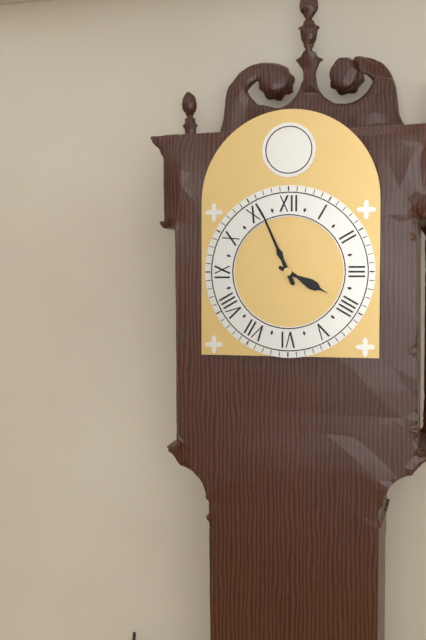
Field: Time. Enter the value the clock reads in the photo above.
3:56
